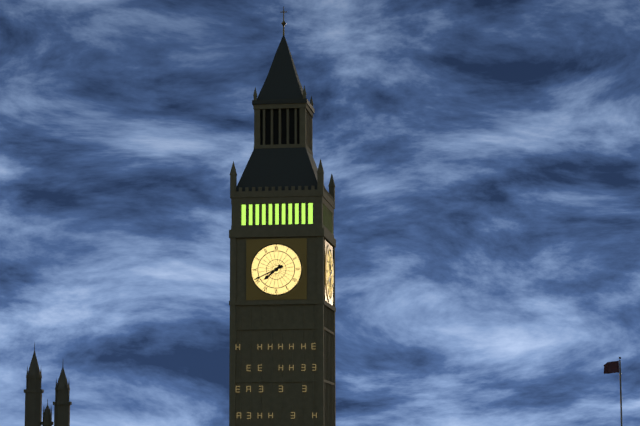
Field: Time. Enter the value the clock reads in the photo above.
7:41
